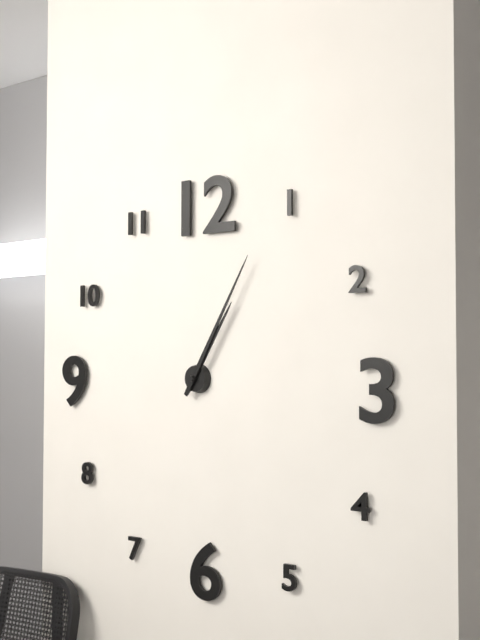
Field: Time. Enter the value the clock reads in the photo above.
1:05
